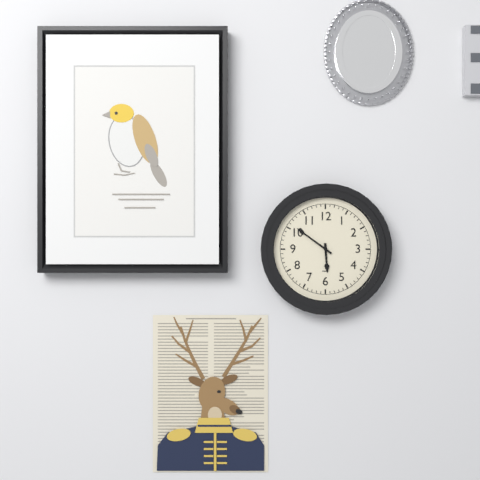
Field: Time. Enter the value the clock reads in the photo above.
5:51
